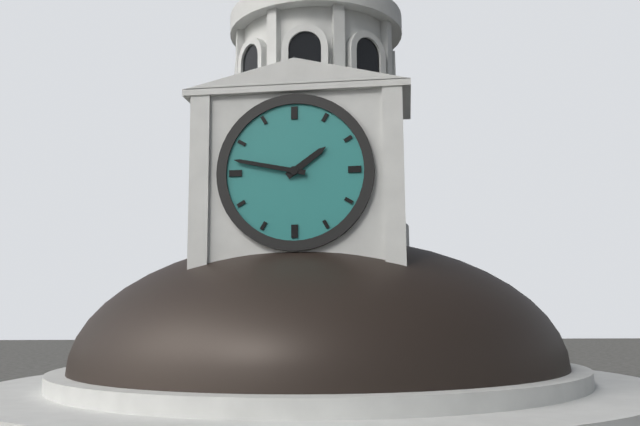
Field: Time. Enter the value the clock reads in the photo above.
1:47
